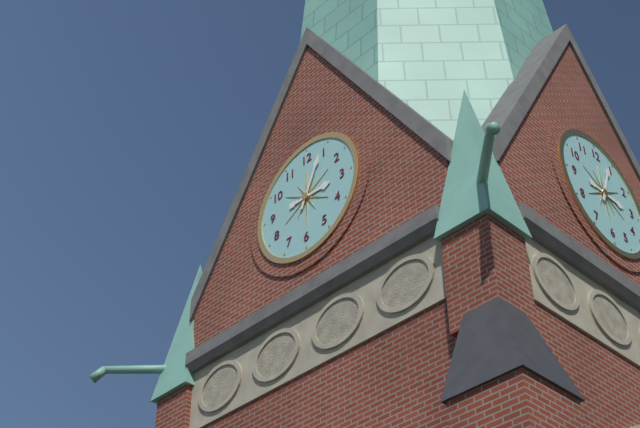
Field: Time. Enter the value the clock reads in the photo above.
3:04
